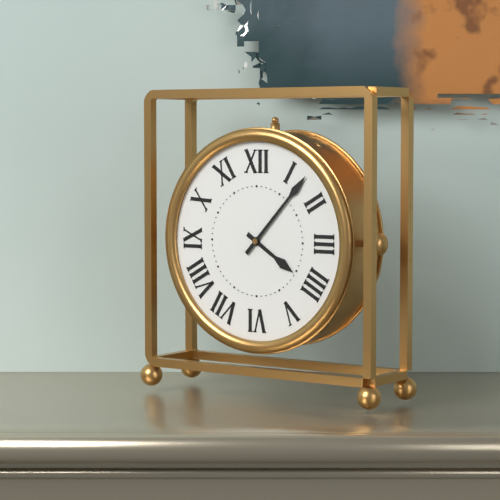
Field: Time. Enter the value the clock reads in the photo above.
4:07
